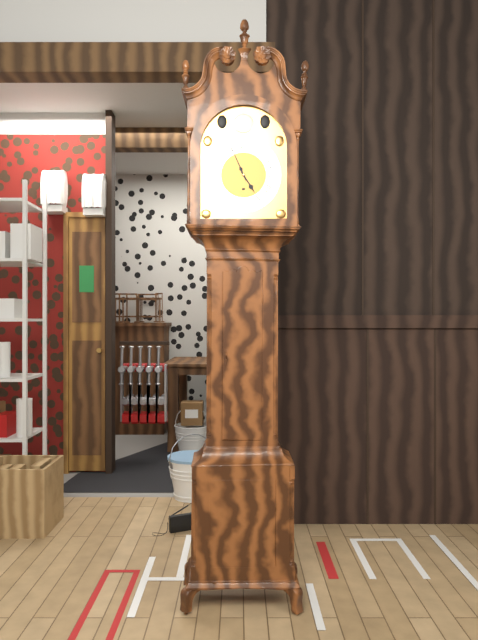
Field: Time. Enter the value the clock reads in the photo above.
4:56
